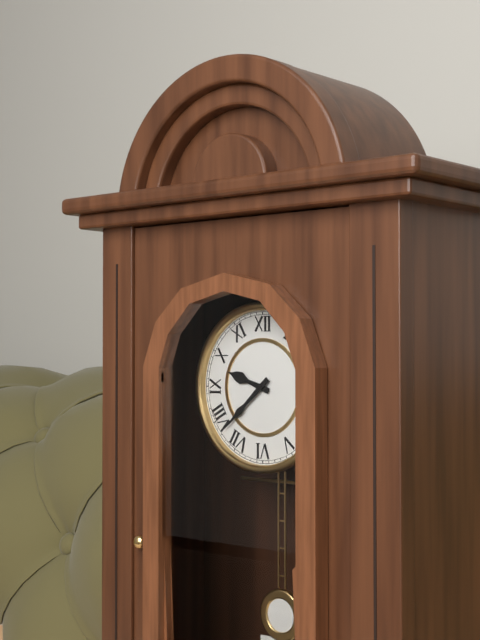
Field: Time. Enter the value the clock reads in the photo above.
9:38
